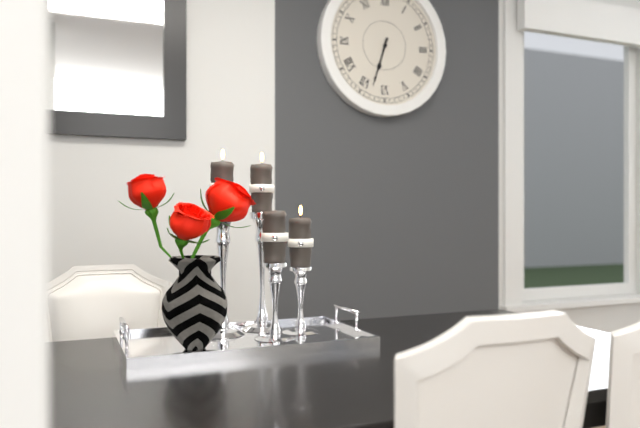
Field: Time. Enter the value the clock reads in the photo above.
6:33
